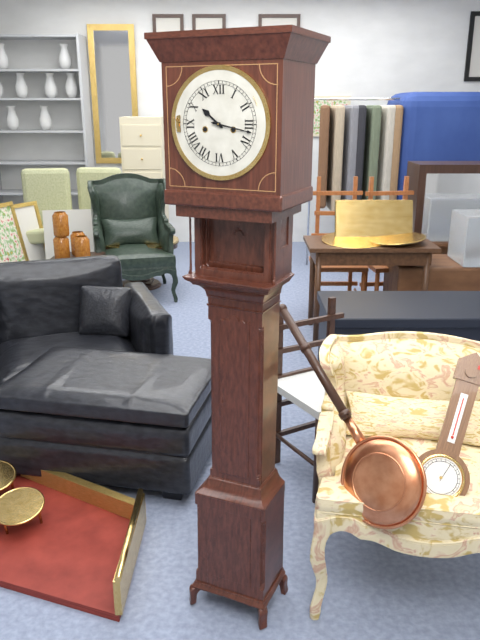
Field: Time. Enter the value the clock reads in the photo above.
10:17
